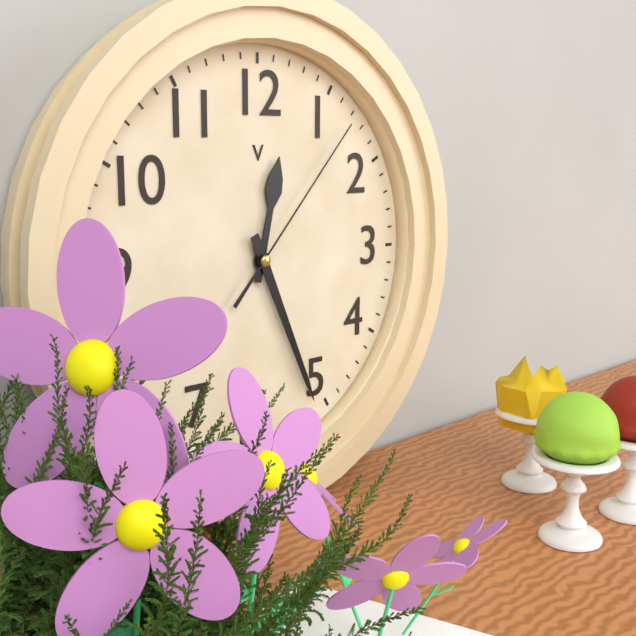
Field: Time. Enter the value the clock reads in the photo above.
12:26:07
